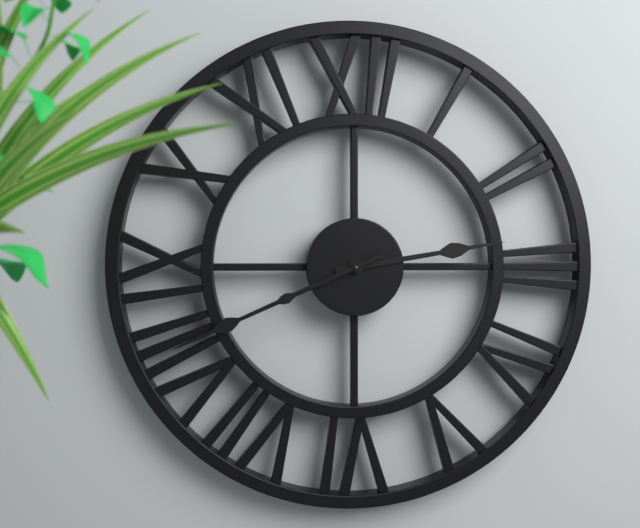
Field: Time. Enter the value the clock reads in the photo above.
2:41:41
